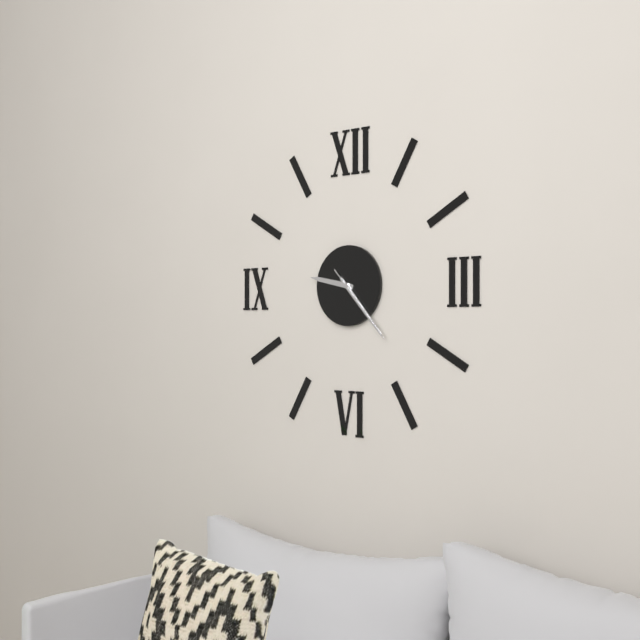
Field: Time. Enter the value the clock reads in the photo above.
9:23:23
